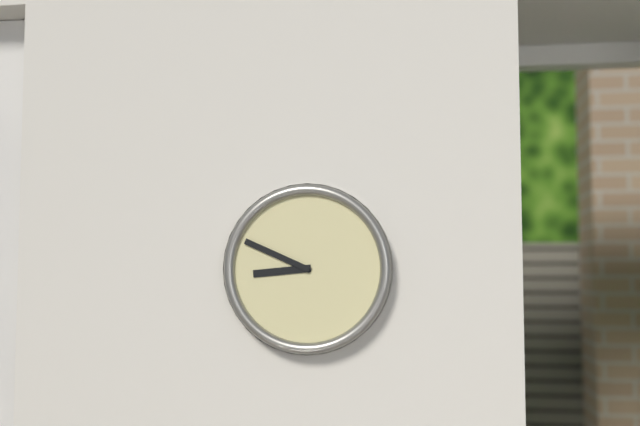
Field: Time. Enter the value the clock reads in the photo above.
8:49
